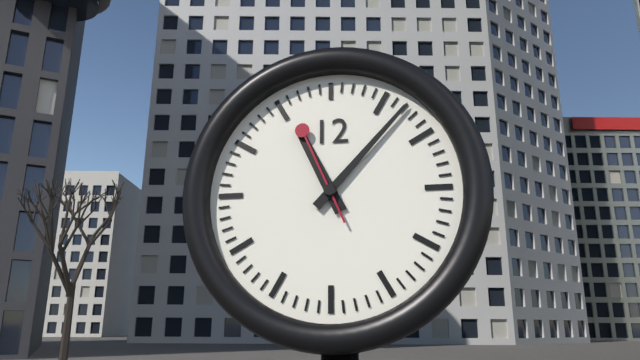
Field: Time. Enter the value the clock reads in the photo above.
11:07:56
